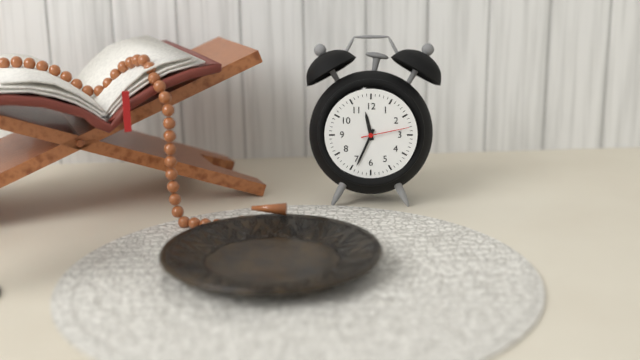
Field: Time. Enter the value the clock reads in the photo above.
11:34
